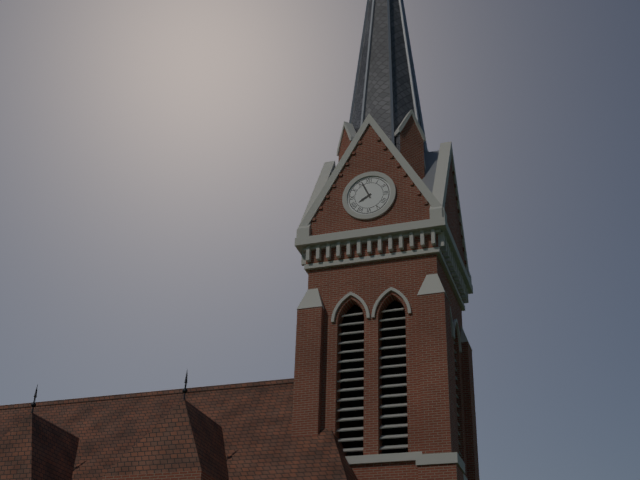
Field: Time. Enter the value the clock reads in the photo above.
7:56
